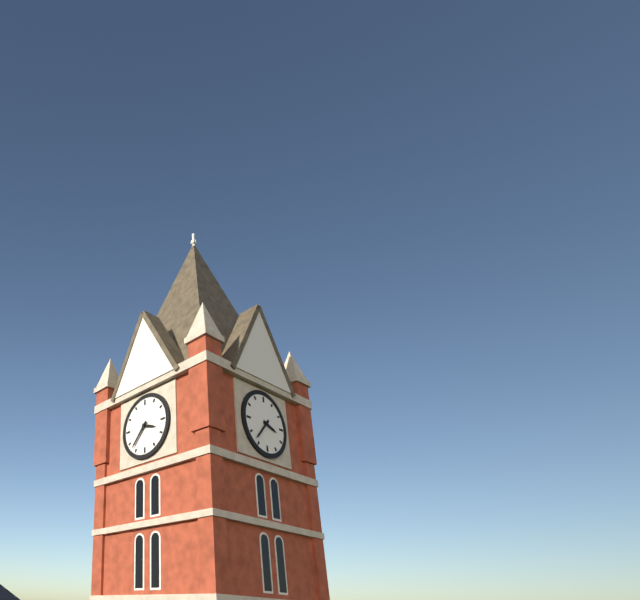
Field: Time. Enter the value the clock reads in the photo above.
3:37
